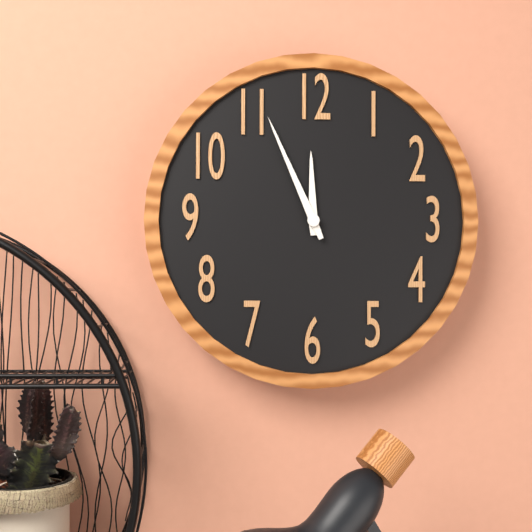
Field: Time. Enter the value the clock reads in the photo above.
11:56
